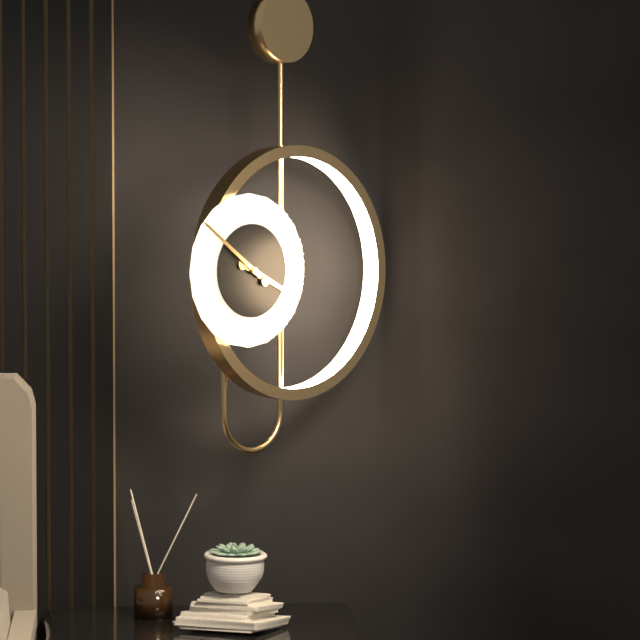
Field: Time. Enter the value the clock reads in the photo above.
3:51
